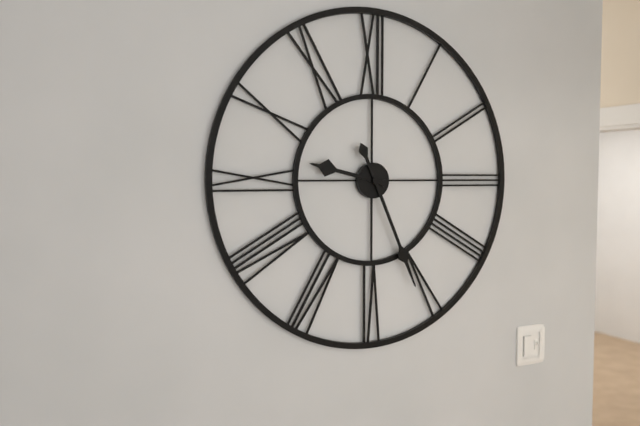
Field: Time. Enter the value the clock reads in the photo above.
9:26
